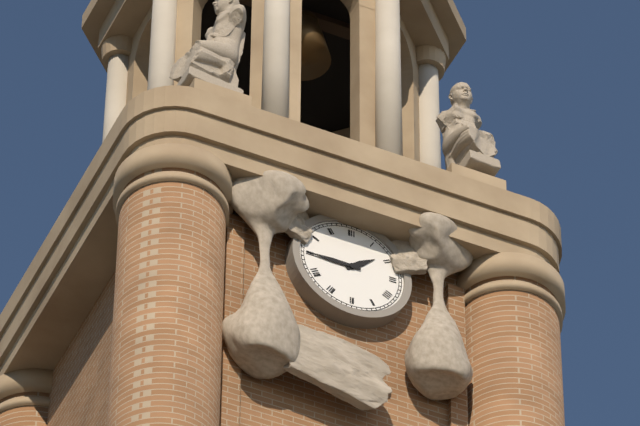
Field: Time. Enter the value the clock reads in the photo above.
1:45
